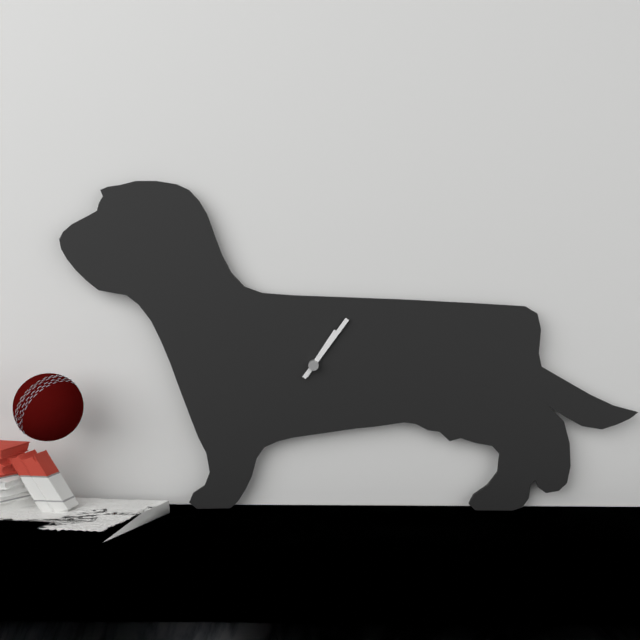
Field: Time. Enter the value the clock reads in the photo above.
1:06
